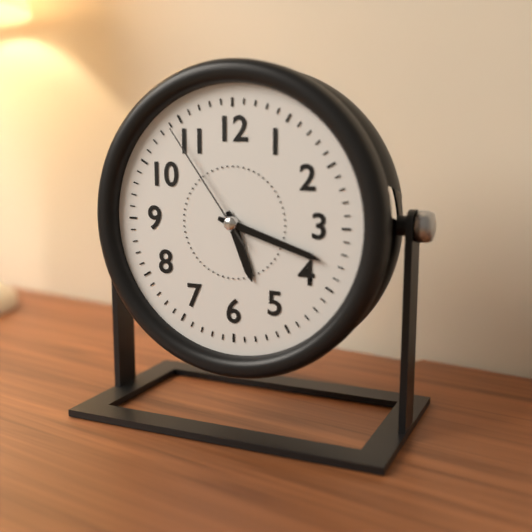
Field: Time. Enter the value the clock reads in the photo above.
5:18:54
